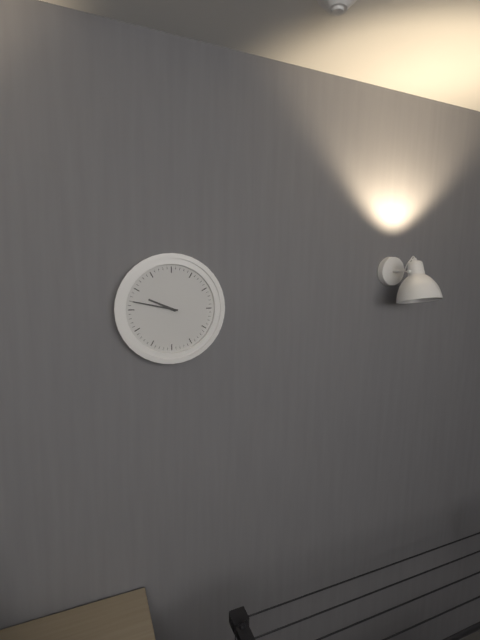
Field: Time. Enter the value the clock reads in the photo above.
9:47
